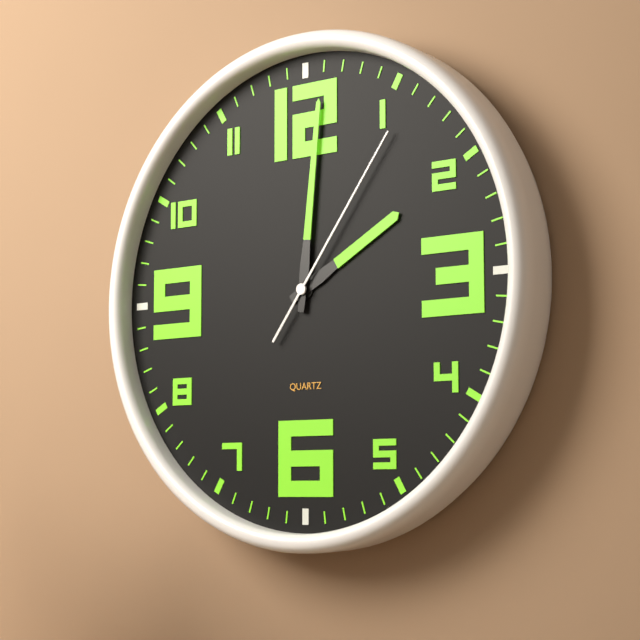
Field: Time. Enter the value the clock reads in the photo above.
2:01:06
